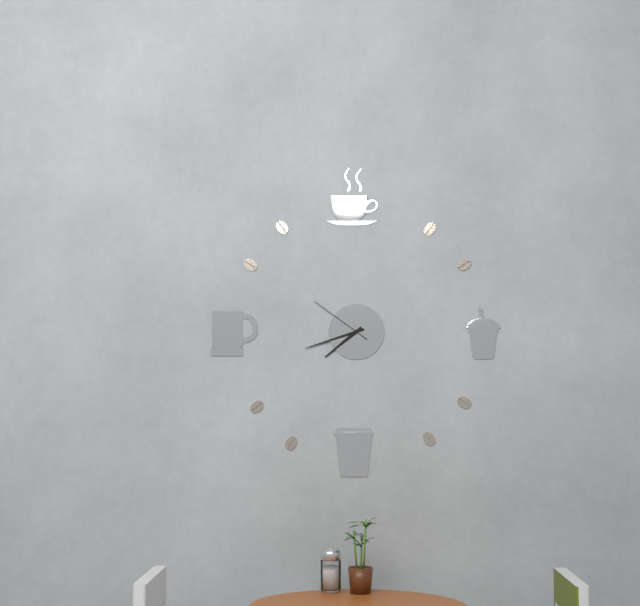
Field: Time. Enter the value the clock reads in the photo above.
7:42:51
